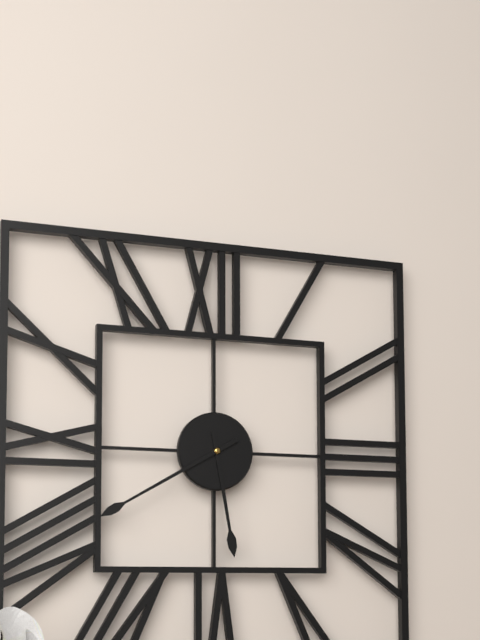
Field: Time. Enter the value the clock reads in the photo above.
5:40
